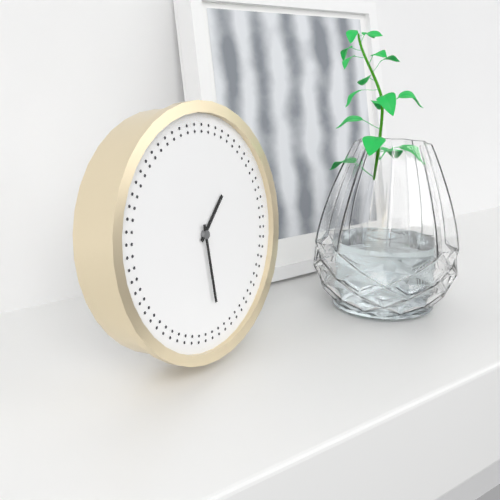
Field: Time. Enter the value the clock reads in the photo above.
1:29
